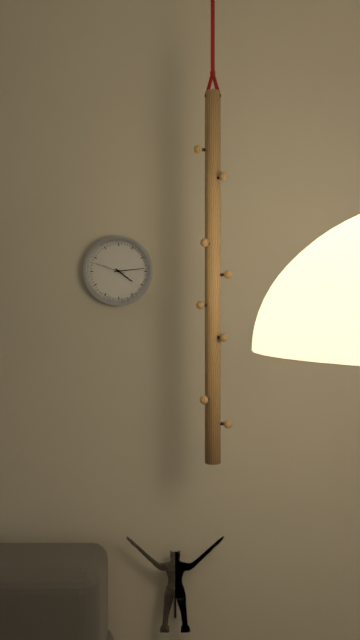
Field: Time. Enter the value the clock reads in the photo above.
4:14
